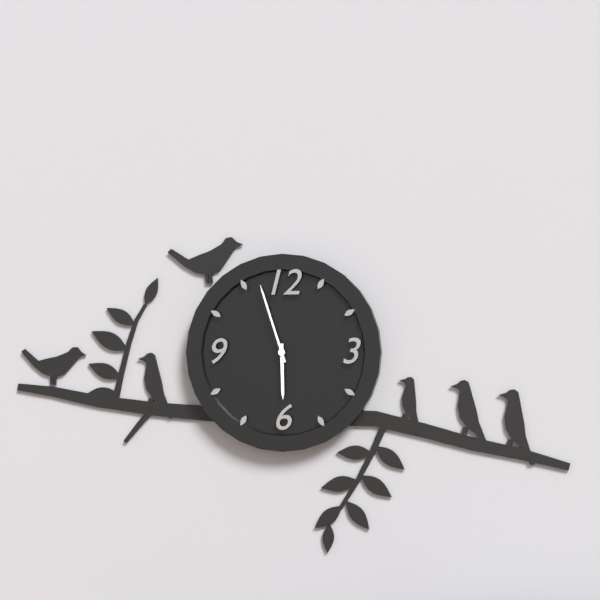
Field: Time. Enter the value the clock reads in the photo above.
5:57
